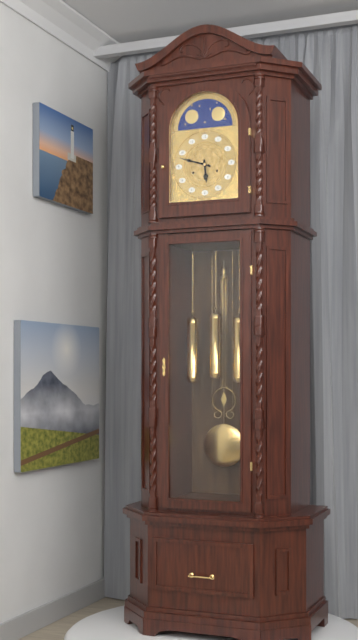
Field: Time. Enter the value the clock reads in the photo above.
5:48
